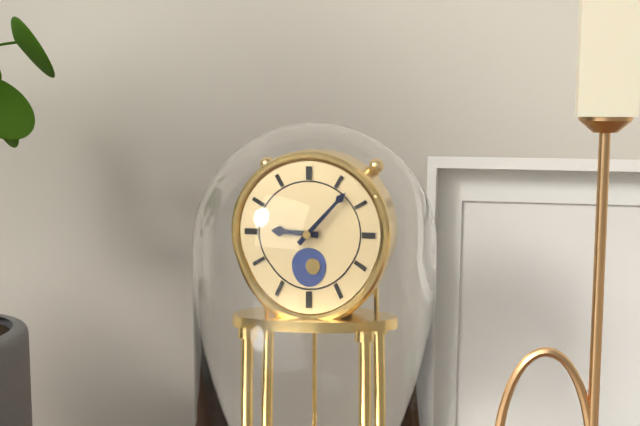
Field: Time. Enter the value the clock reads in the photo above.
9:07
